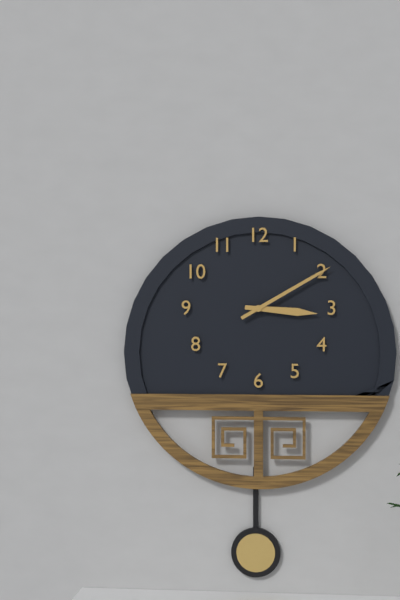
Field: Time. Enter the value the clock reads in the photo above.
3:10
